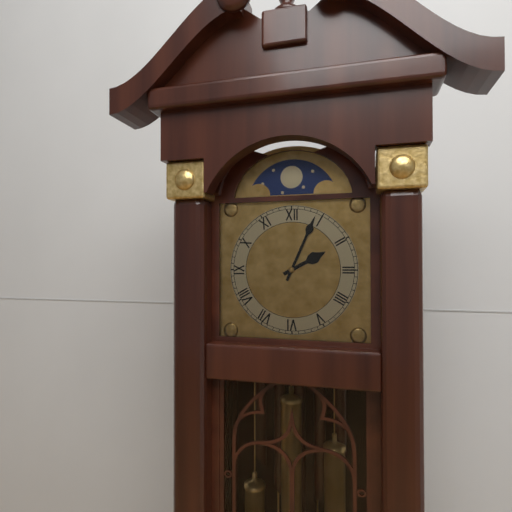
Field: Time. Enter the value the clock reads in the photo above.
2:04
